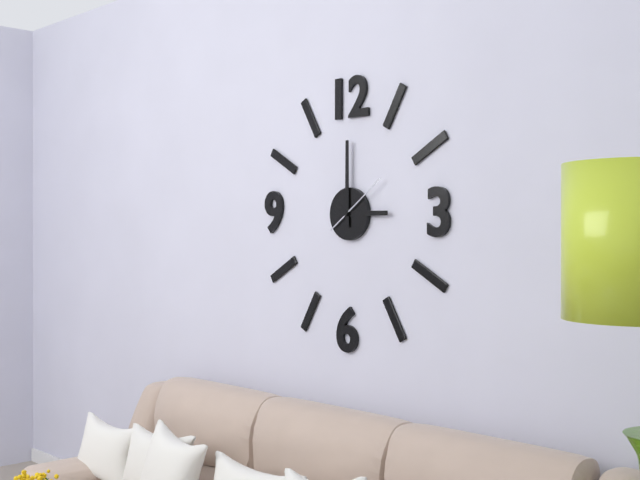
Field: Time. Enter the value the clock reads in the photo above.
3:00:09
